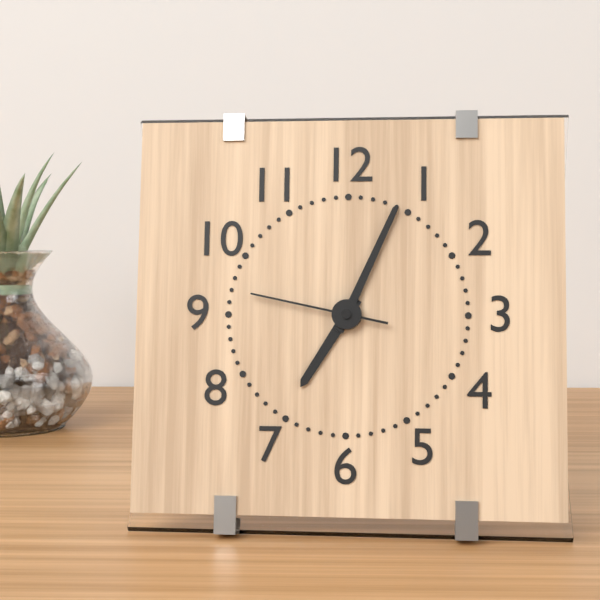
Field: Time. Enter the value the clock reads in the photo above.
7:04:47
